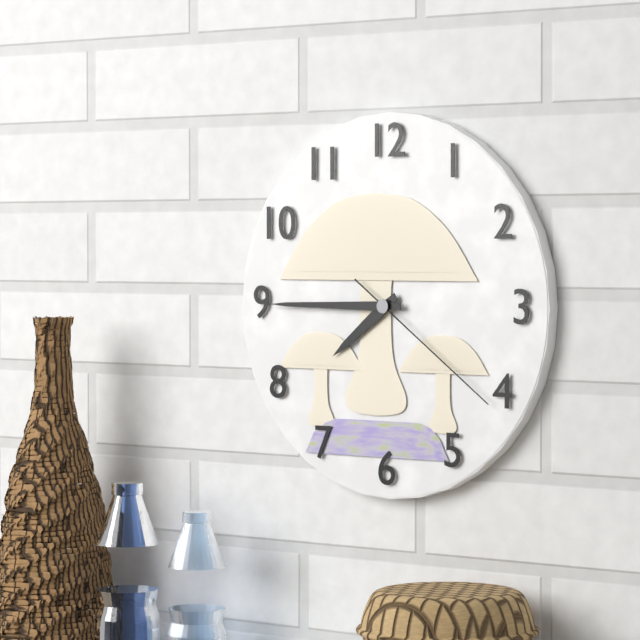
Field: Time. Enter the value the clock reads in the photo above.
7:45:21
